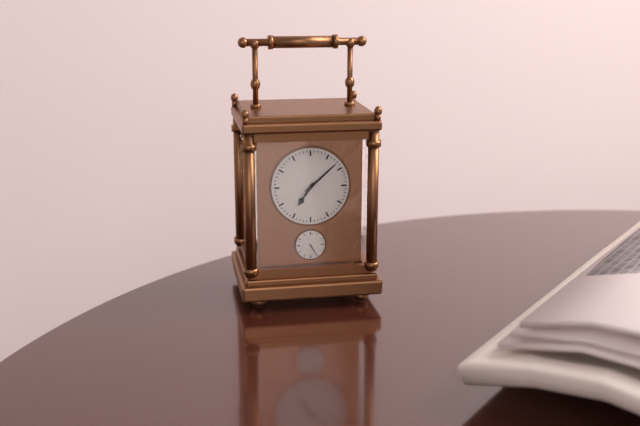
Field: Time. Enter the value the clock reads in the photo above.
7:08
